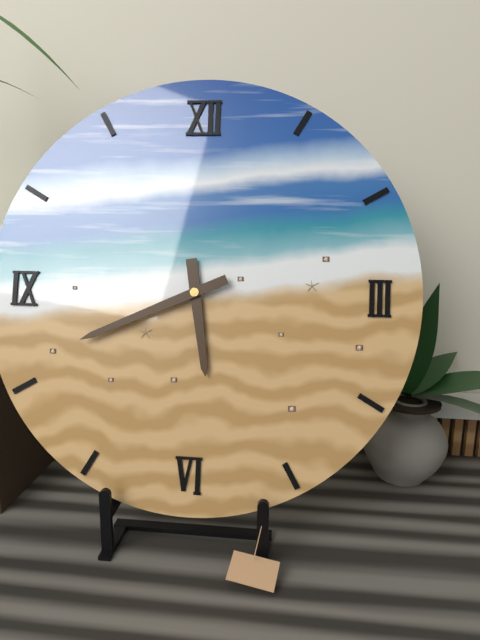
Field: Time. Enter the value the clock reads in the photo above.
5:41
